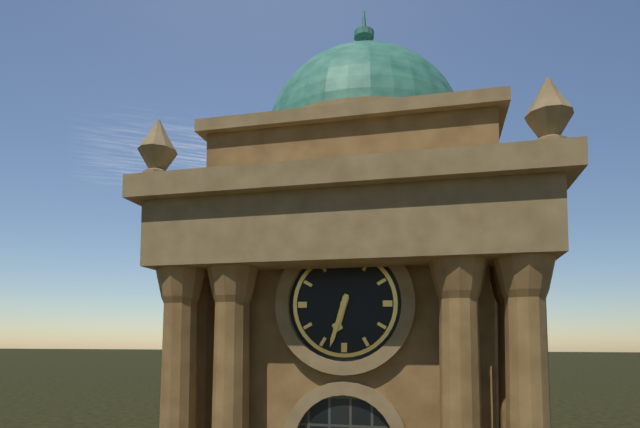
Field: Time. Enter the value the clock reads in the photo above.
6:33
